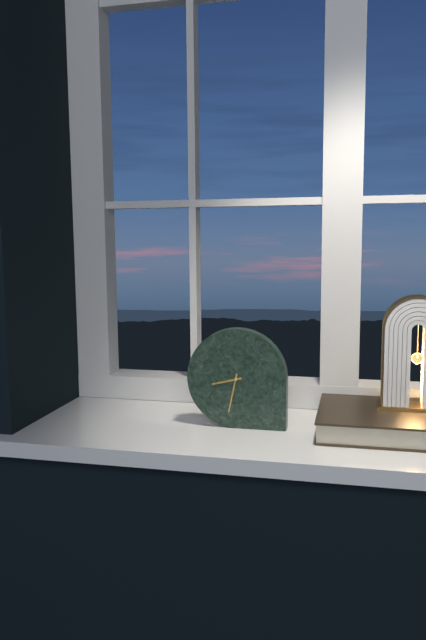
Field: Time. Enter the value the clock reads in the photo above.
8:32
